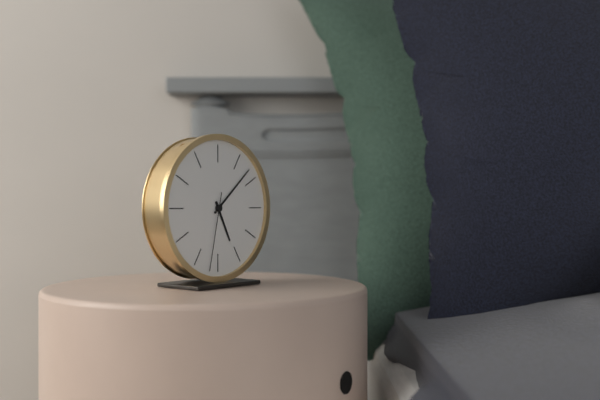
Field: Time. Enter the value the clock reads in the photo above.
5:08:32
